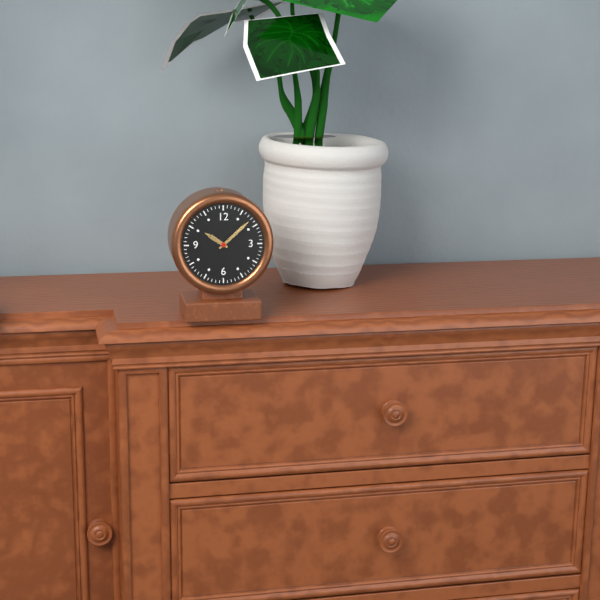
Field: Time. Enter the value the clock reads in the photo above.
10:08
